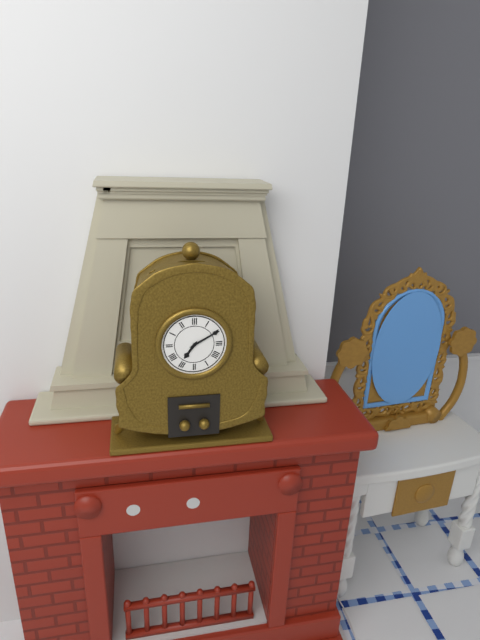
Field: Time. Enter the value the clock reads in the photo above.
7:10
